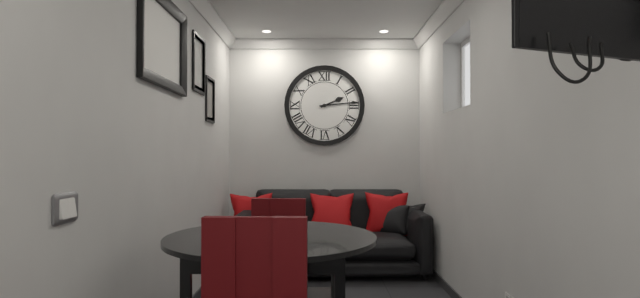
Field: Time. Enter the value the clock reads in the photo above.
2:14
